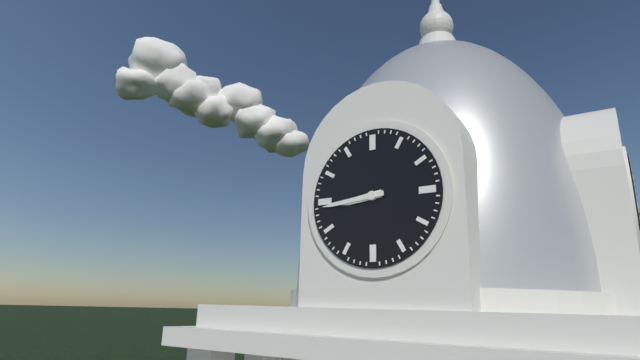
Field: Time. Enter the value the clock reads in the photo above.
8:44
